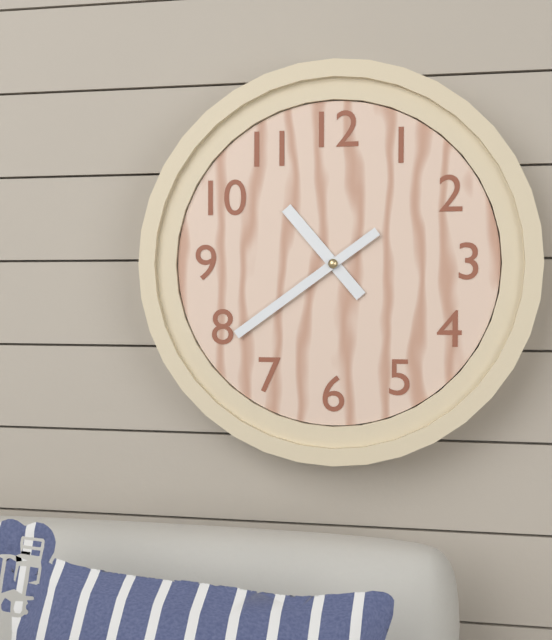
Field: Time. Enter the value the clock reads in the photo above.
10:39
